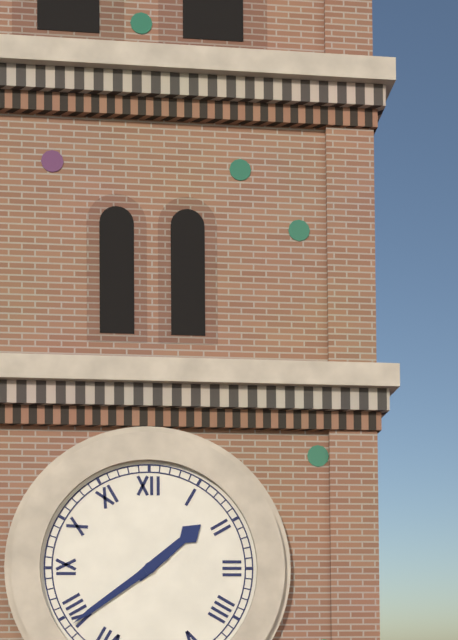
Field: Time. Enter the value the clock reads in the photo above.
1:39
